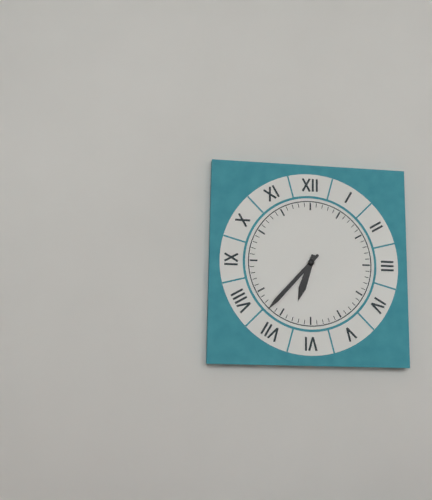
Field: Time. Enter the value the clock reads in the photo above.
6:37
